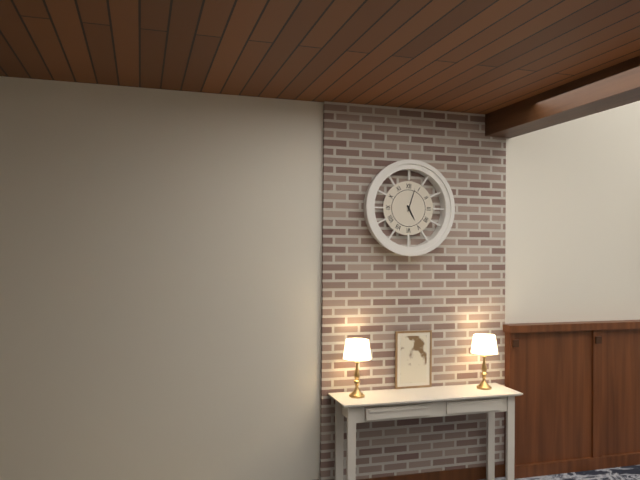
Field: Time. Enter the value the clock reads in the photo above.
5:03
